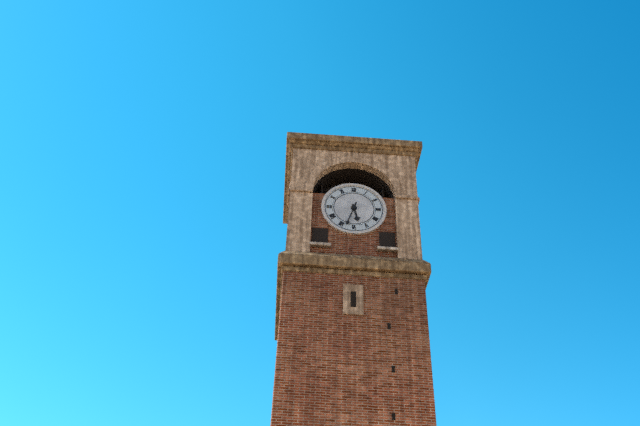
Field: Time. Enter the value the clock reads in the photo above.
5:33
